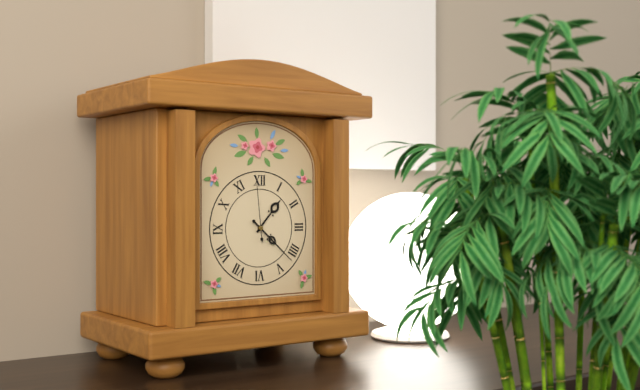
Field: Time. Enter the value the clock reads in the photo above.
1:22:59
